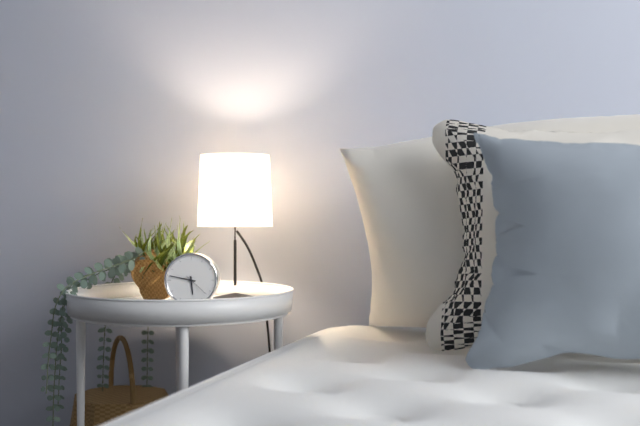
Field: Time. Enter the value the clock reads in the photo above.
5:47
